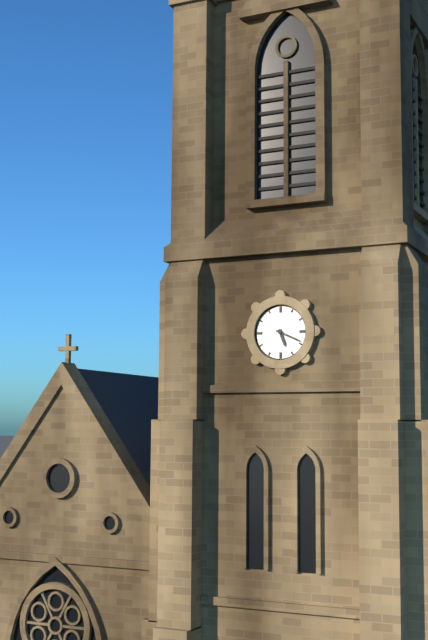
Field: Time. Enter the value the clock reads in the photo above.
5:19
